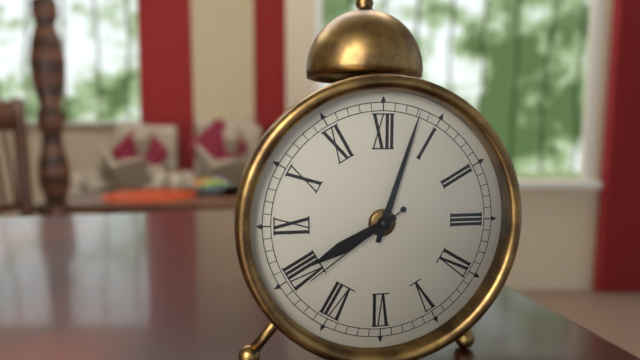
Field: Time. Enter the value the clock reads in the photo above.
8:03:39
